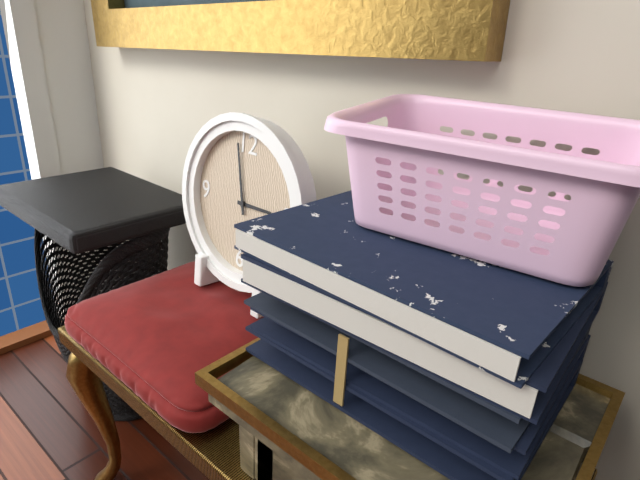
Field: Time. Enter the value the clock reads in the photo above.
2:58
